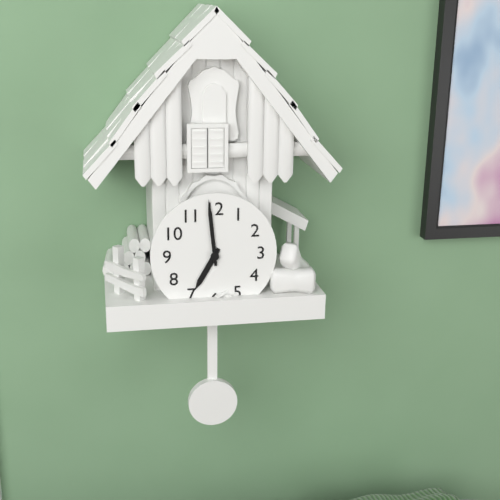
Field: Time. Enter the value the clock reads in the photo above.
6:59
